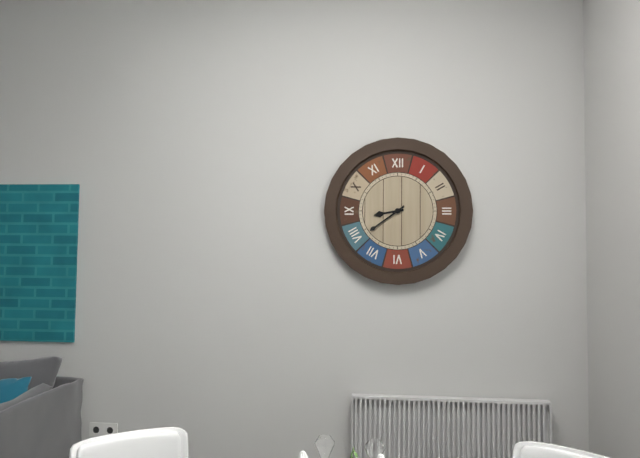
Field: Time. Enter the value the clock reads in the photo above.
8:39
